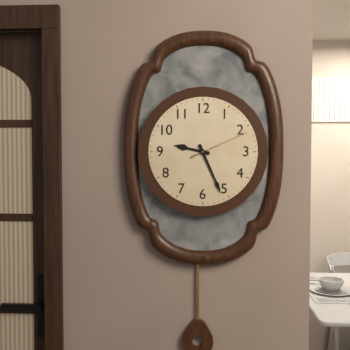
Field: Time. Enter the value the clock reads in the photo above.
9:26:11
